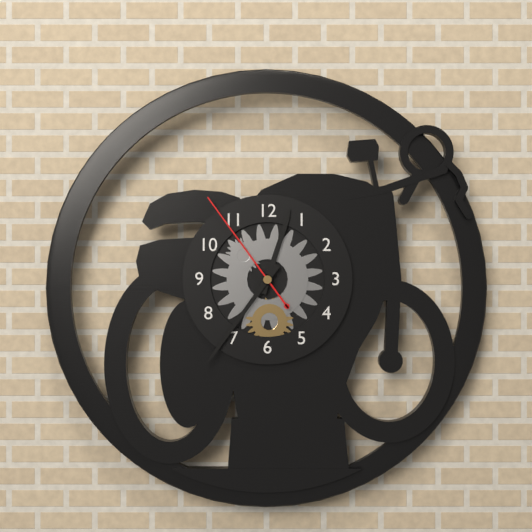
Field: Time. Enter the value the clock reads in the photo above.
12:36:54
